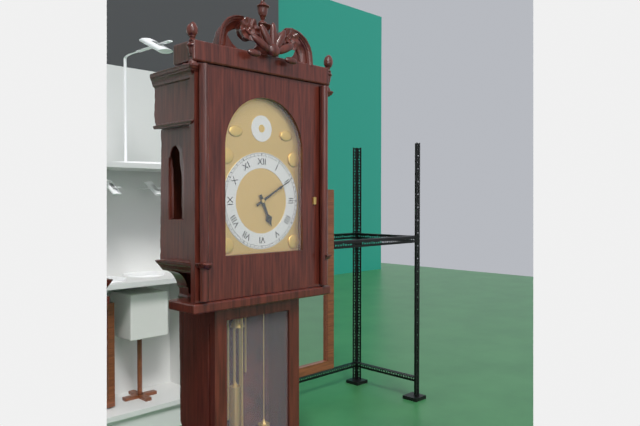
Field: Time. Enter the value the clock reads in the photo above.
5:10
